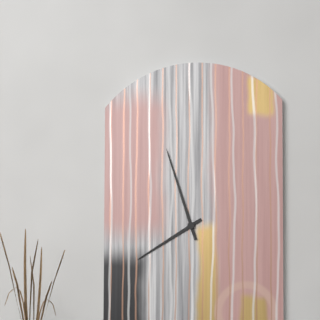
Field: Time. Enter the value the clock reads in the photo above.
7:57
